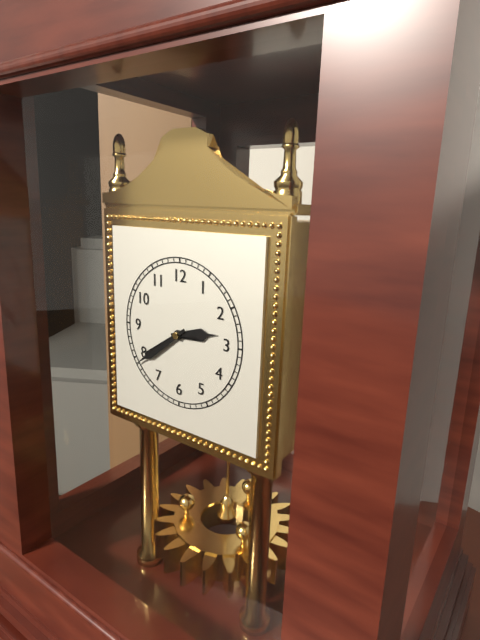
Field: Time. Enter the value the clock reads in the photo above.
2:39
